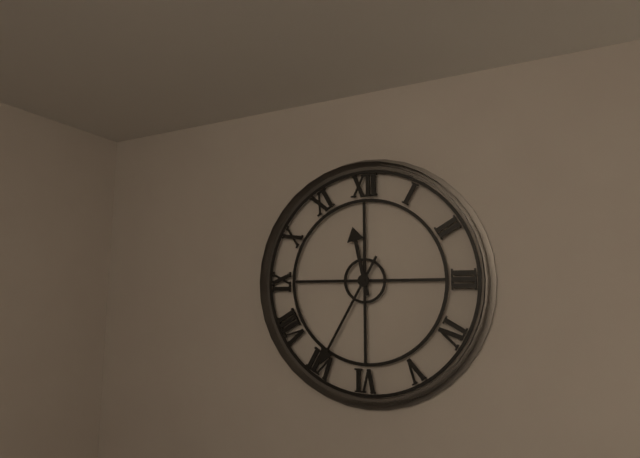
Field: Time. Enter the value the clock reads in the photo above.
11:35
